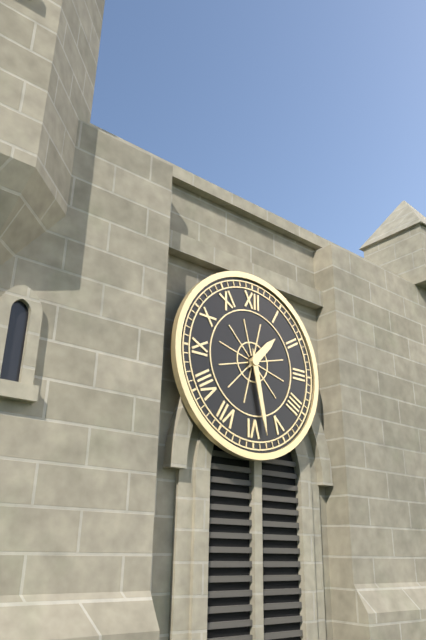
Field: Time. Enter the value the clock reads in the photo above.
1:28
